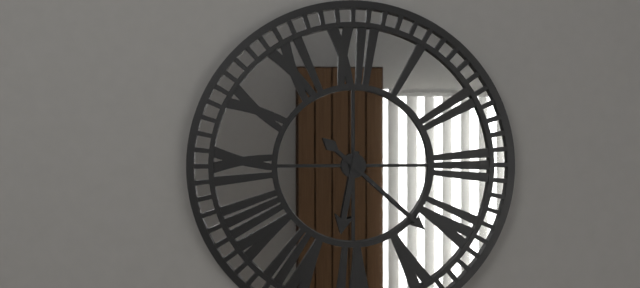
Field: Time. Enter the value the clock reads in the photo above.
6:22
